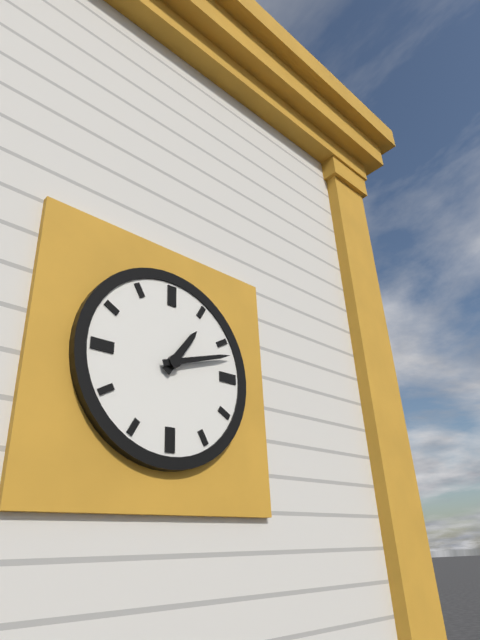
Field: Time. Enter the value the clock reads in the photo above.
1:12
